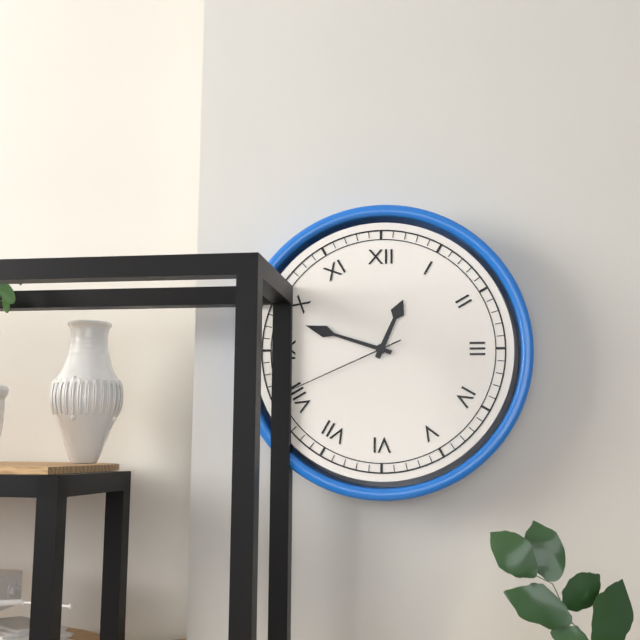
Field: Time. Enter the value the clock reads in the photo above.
12:48:41
